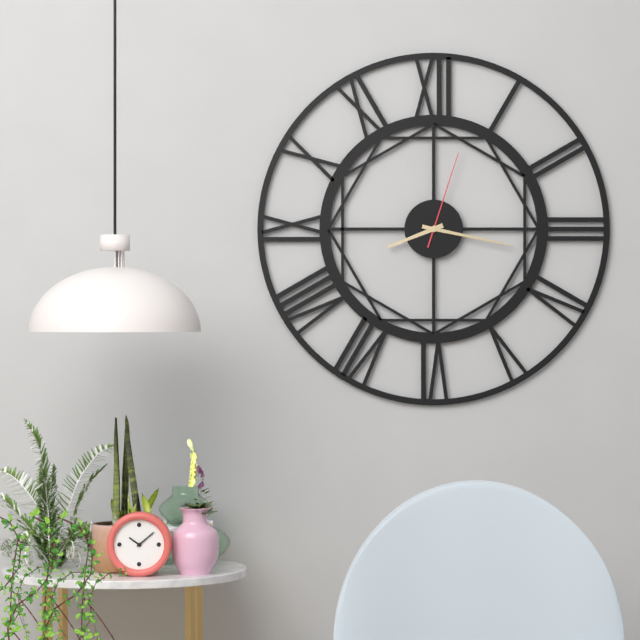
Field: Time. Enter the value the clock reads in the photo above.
8:17:03
